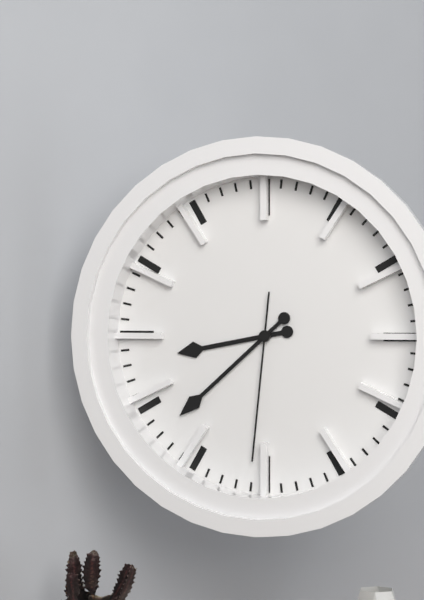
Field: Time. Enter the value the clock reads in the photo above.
8:38:31
